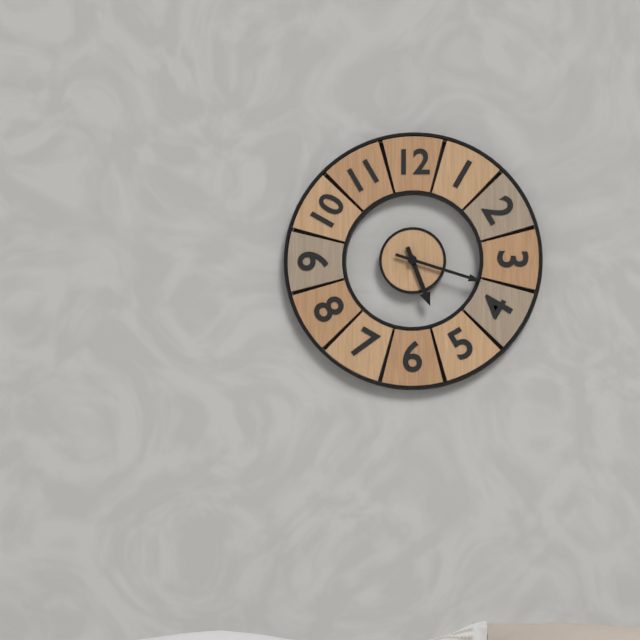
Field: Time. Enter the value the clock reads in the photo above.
5:18
